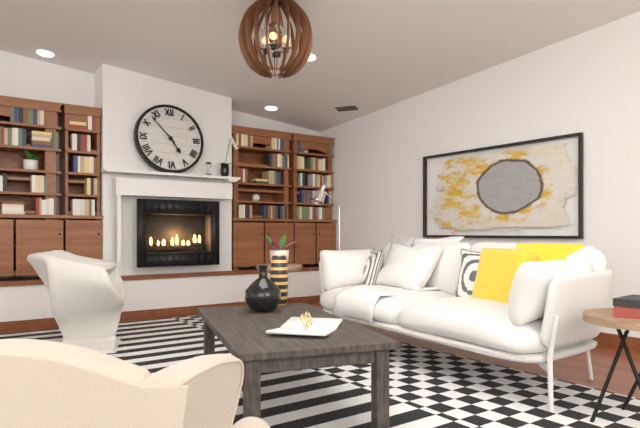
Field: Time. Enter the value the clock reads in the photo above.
4:53
